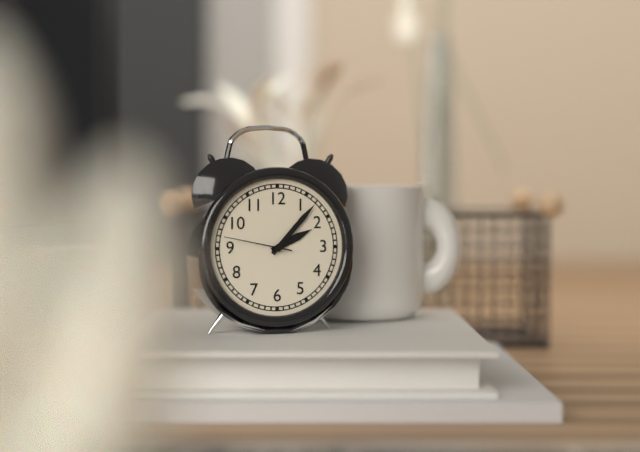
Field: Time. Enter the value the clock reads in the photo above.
2:07:47
